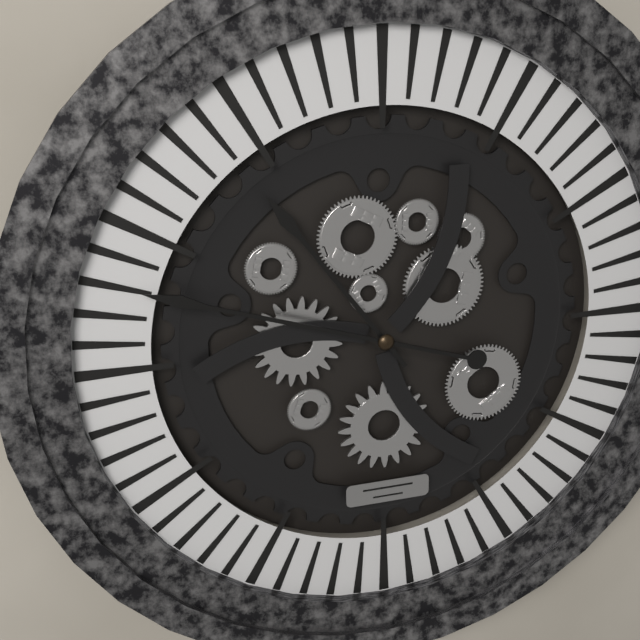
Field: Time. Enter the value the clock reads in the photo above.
10:48
